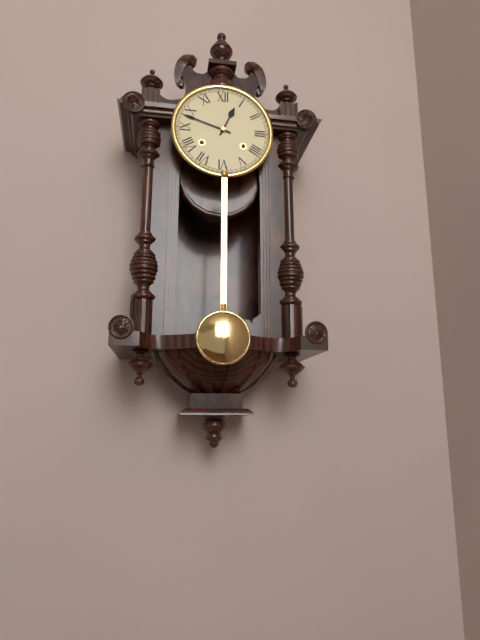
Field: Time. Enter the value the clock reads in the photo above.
12:48
